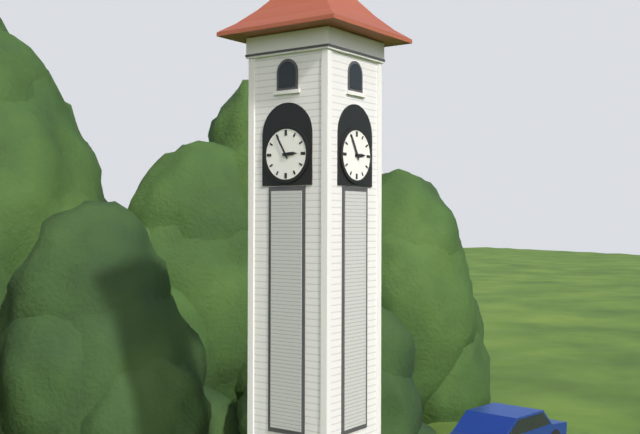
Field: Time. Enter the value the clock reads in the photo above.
2:55
